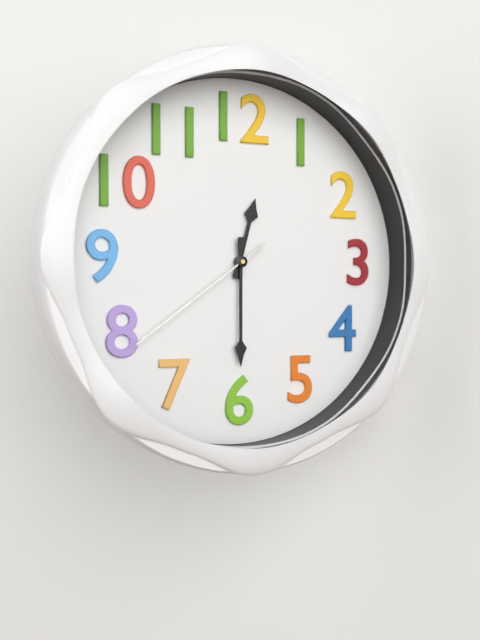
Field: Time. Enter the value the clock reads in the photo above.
12:30:39
